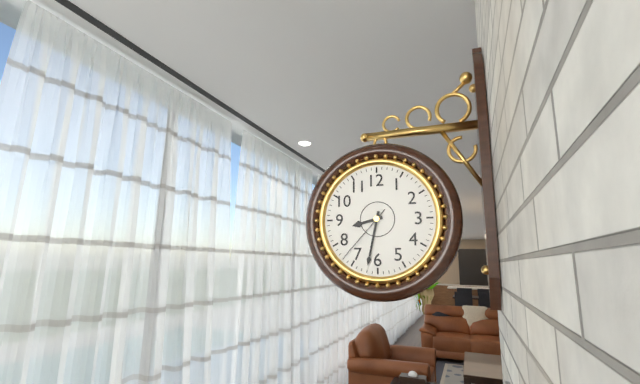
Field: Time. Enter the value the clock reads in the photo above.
8:32:37
